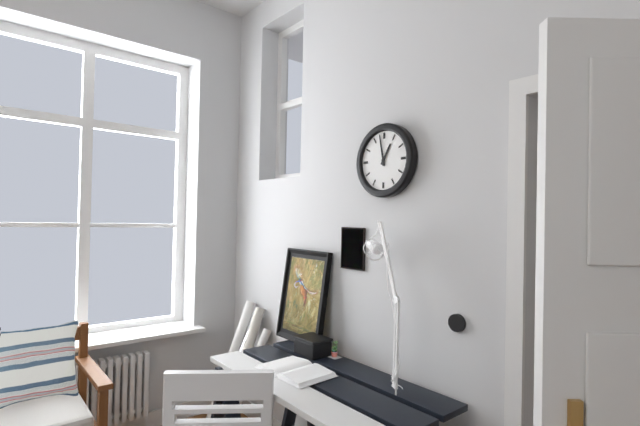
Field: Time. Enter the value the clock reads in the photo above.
12:58
